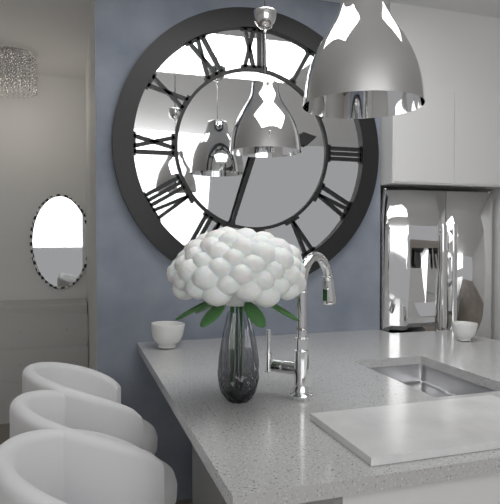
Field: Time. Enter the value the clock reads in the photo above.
2:33
